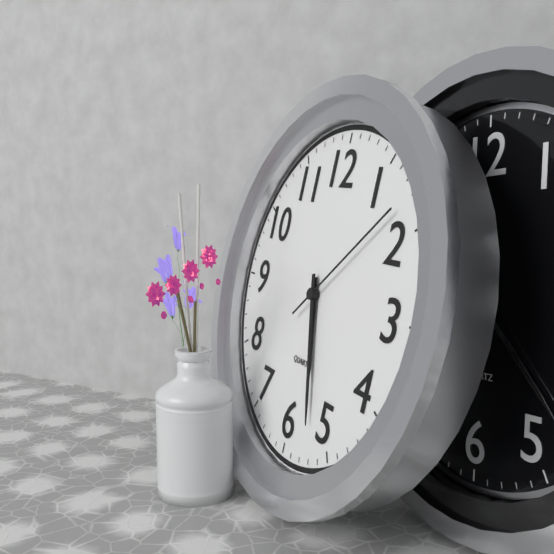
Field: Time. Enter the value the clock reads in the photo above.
5:27:08
